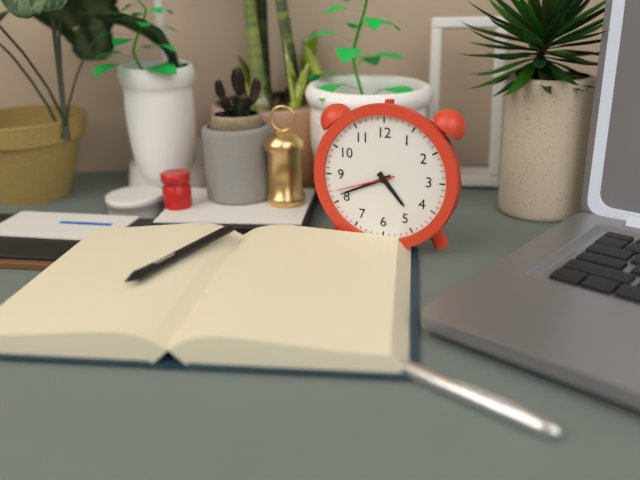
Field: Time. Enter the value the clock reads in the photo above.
4:41:42
